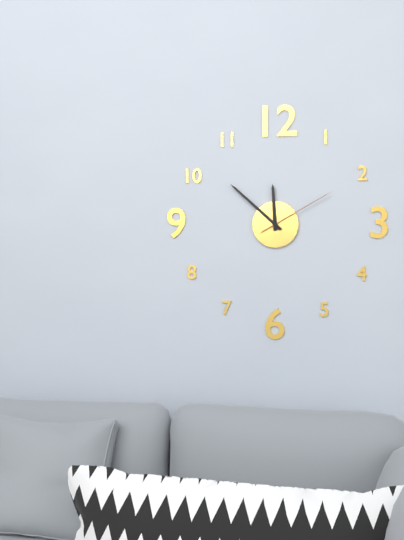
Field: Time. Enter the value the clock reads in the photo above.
11:52:10
